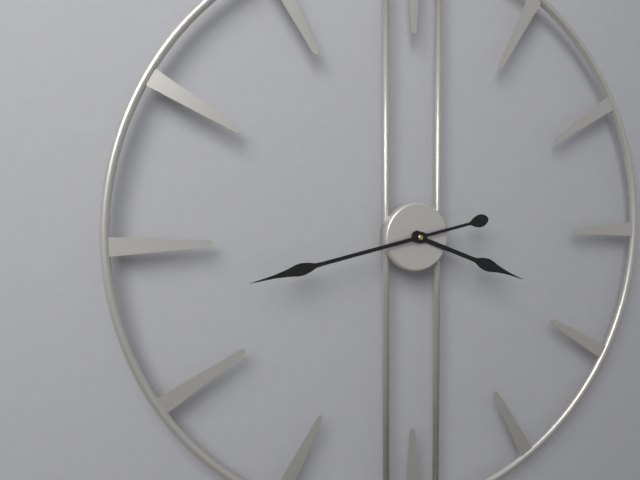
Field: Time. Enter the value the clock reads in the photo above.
3:43
